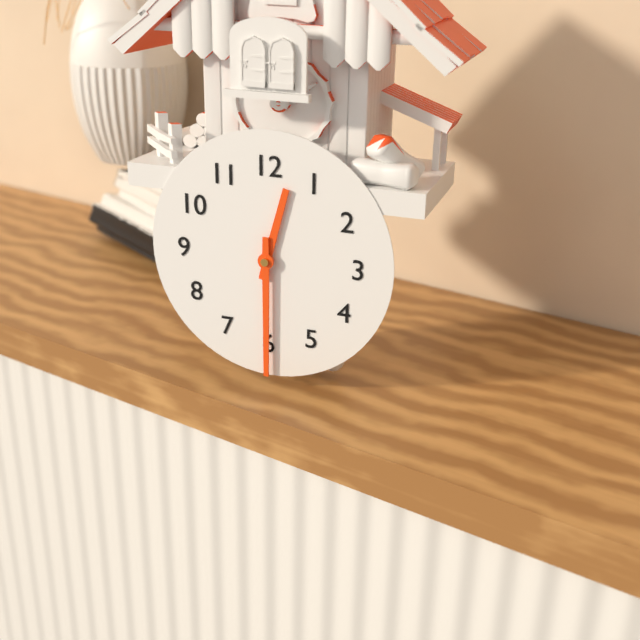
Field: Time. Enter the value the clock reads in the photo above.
12:30
